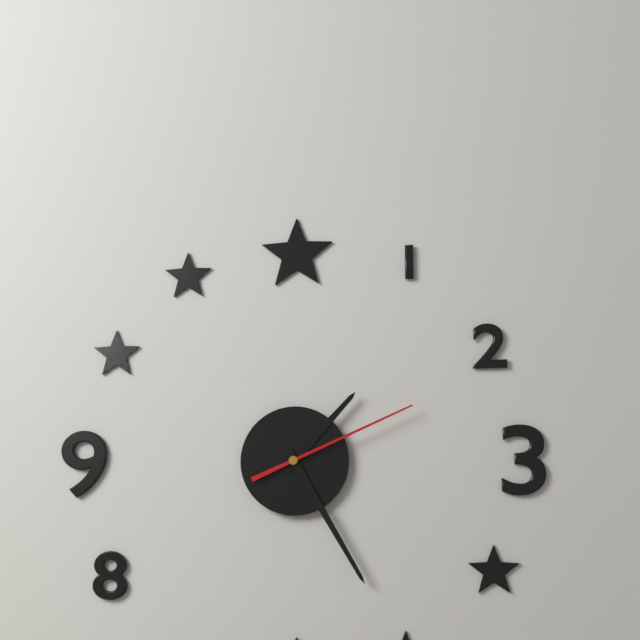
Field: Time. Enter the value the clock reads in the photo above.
1:25:11
